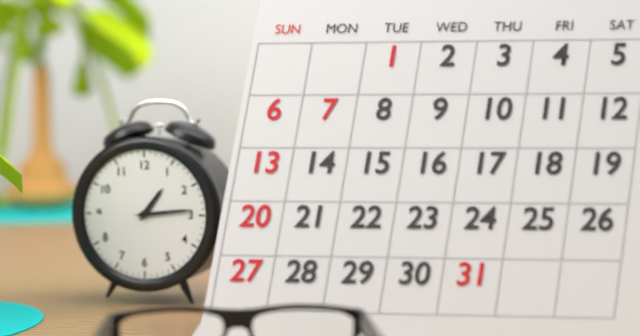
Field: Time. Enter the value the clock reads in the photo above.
1:14
